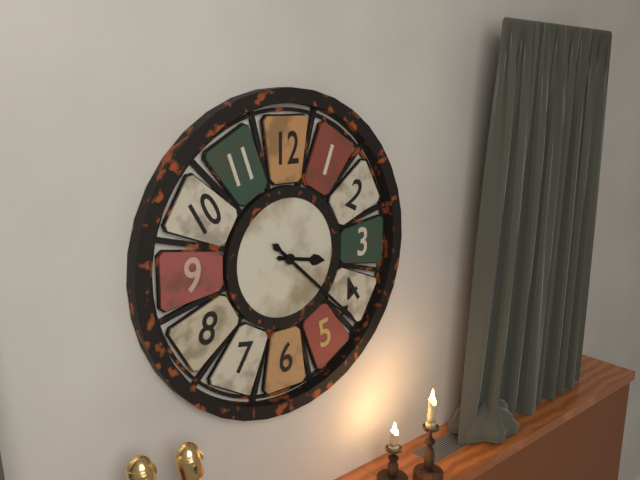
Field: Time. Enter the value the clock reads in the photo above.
3:22
